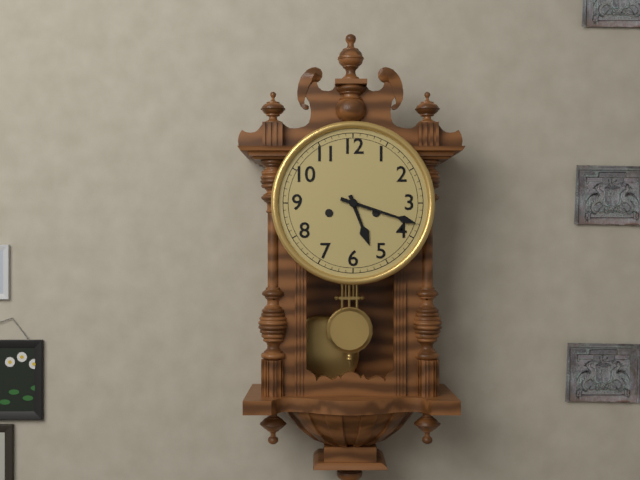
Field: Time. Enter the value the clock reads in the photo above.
5:18
